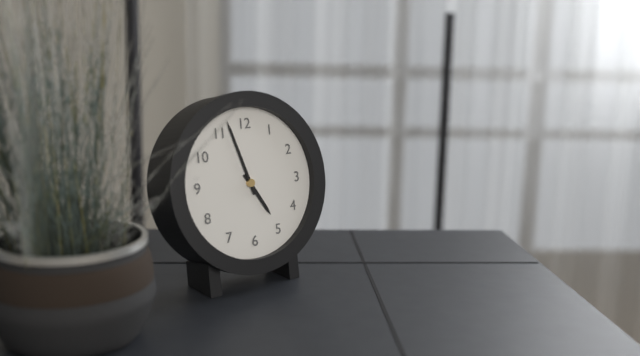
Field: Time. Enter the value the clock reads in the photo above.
4:57
